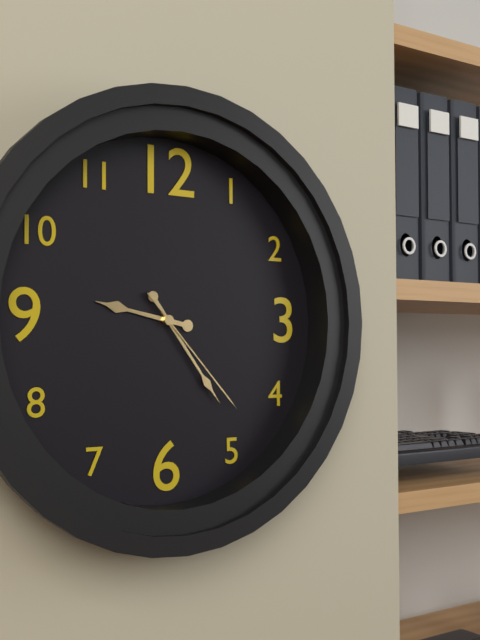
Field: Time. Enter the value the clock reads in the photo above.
9:24:23
